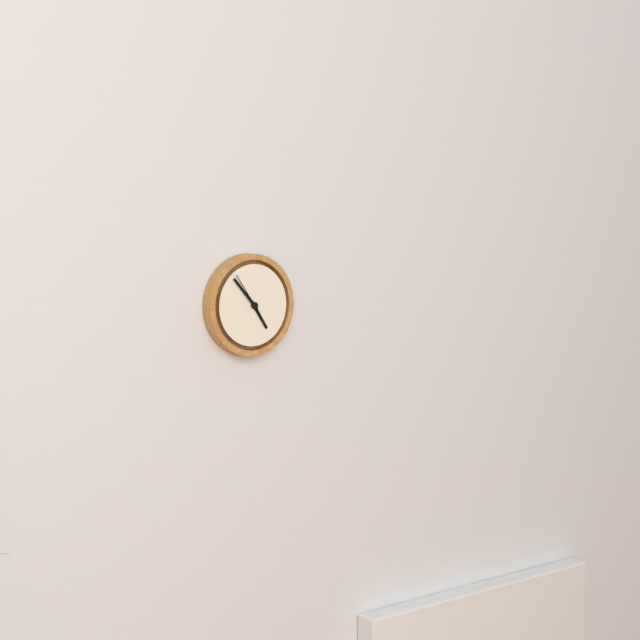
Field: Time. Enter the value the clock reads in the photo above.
4:53
